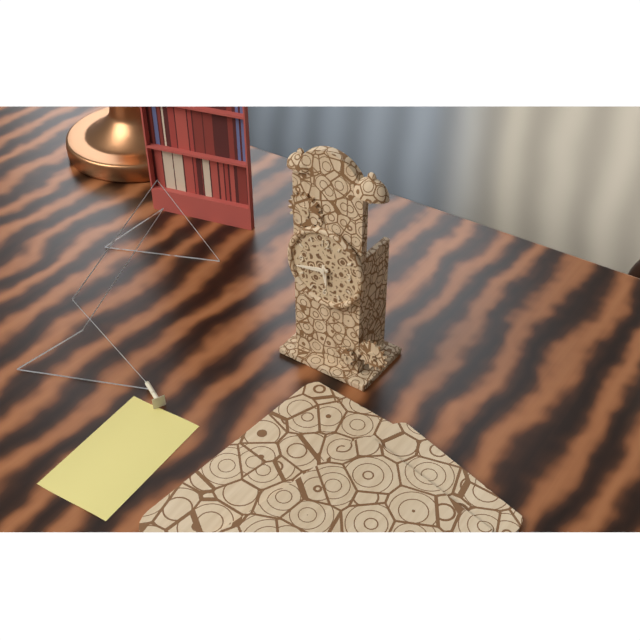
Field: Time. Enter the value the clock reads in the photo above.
5:43
